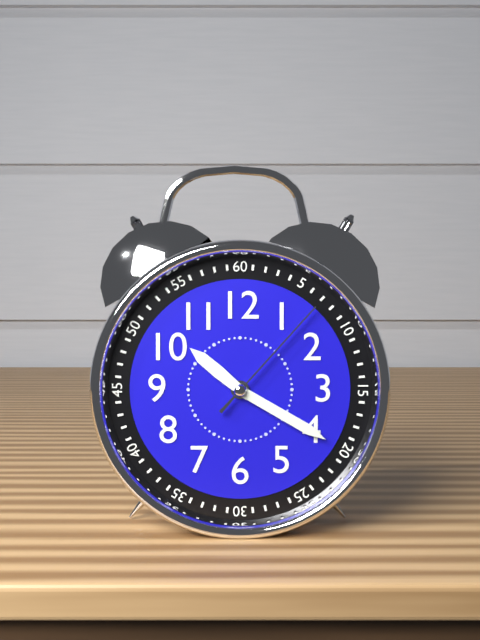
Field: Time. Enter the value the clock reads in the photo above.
10:20:07
